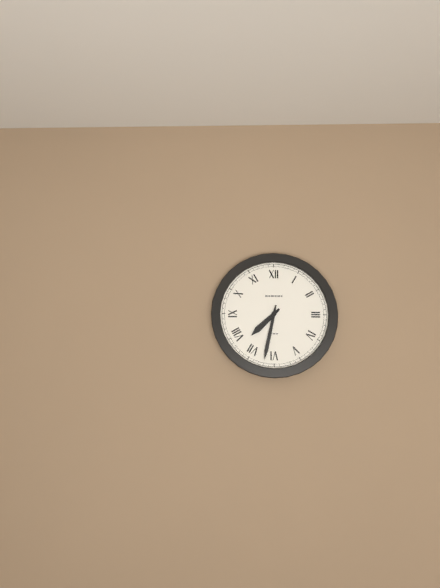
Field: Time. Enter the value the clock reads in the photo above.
7:32
